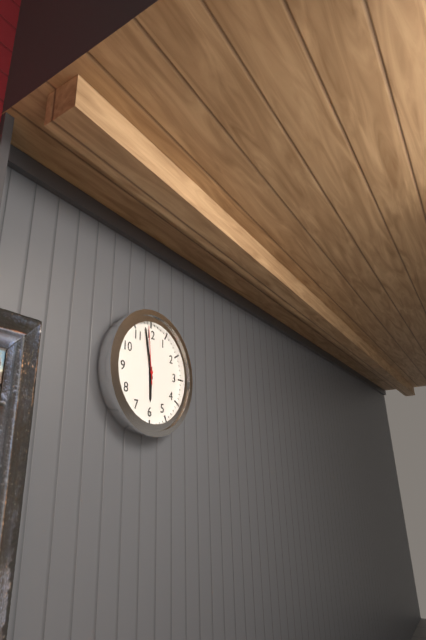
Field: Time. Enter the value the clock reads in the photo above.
5:58:59
